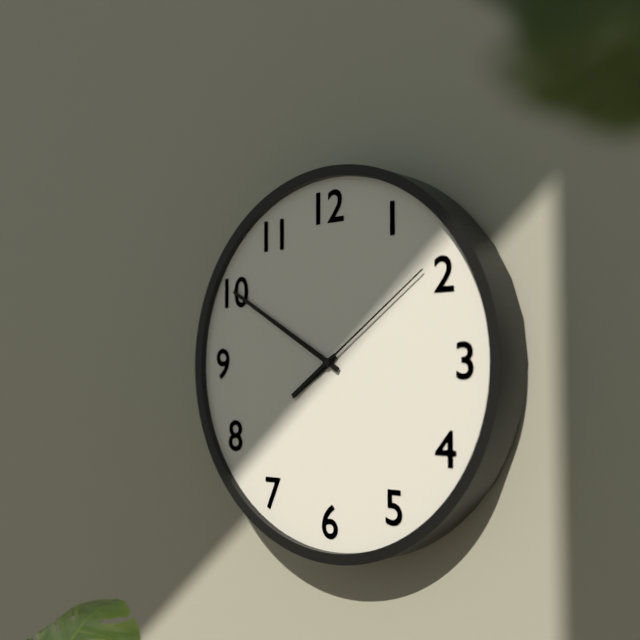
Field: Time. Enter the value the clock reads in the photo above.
7:50:09
